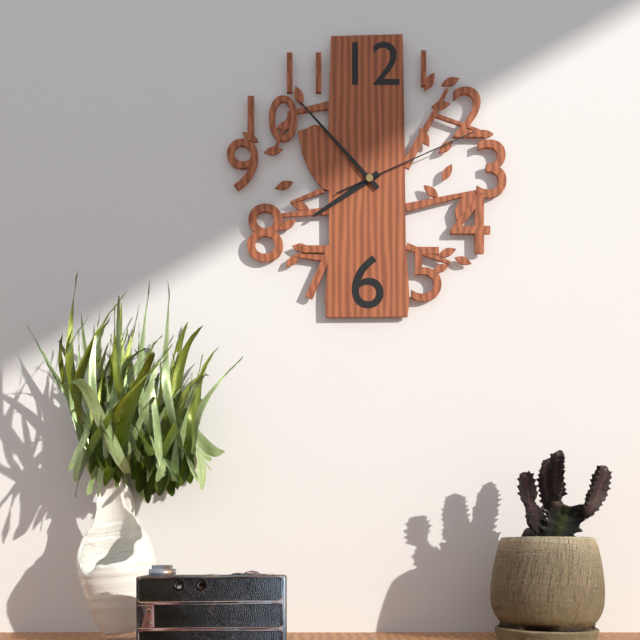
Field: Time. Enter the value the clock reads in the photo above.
7:53:11
